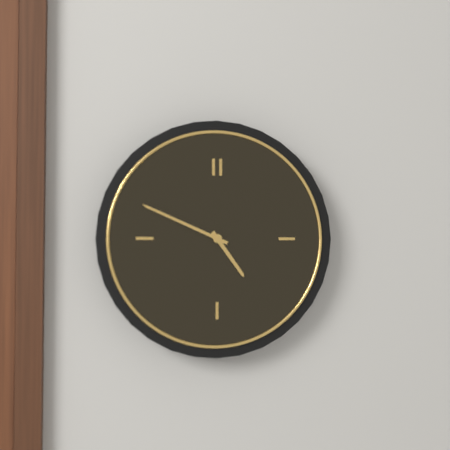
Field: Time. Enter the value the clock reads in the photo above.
4:49
